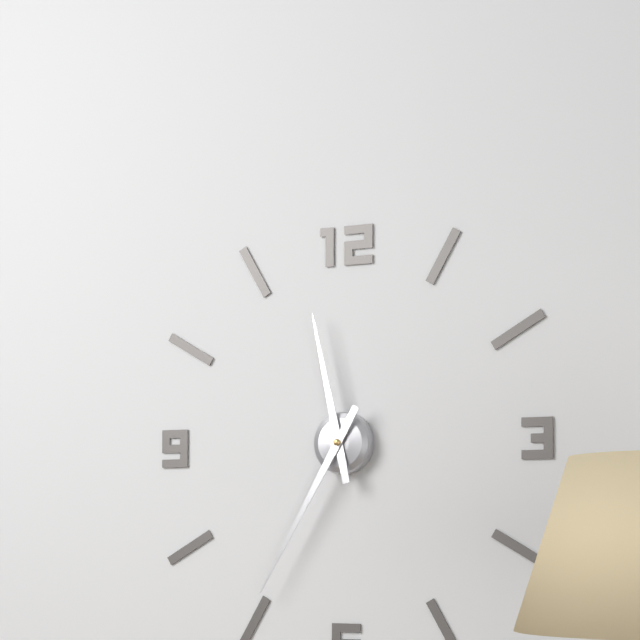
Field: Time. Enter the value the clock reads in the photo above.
11:35
